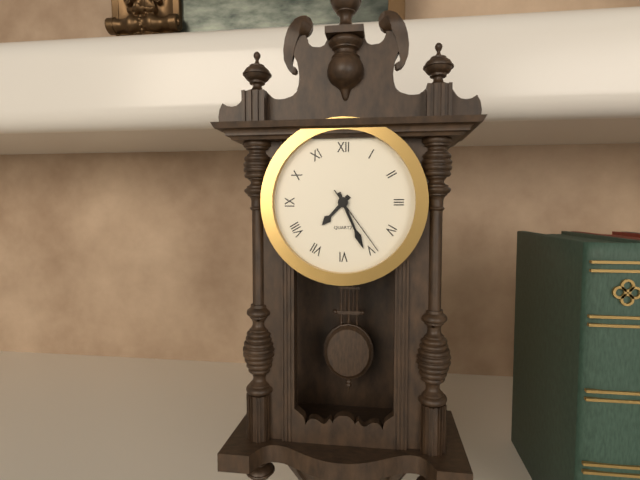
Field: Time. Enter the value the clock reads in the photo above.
7:26:24
